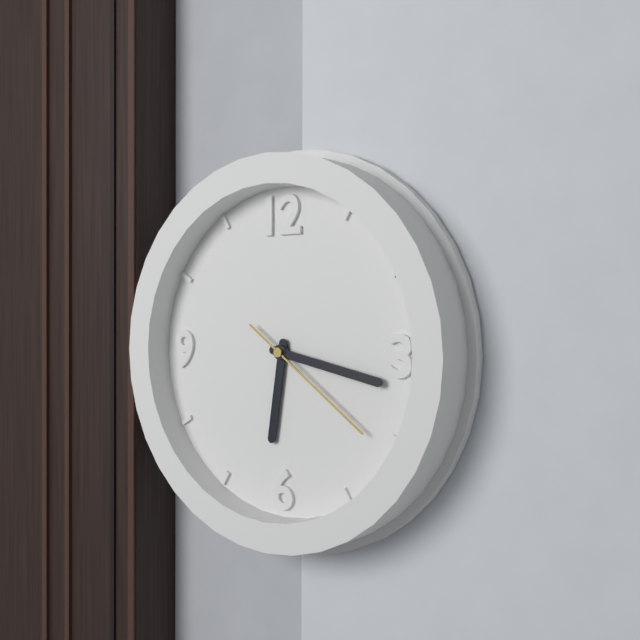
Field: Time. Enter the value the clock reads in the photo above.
6:17:21
